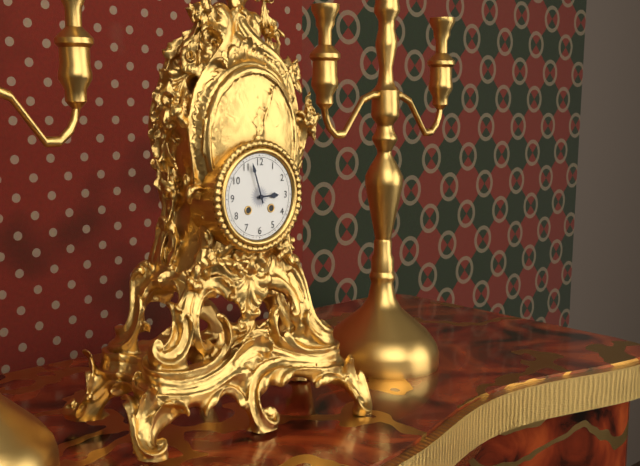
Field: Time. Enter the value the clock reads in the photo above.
2:57
